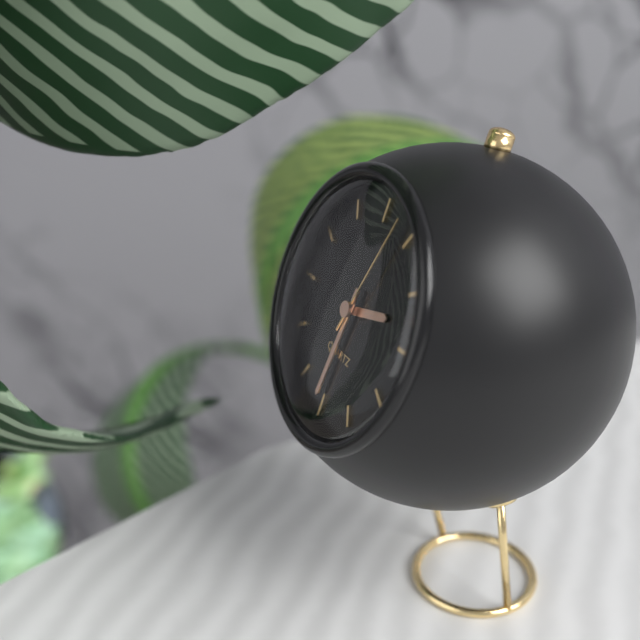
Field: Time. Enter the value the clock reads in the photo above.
2:31:03
